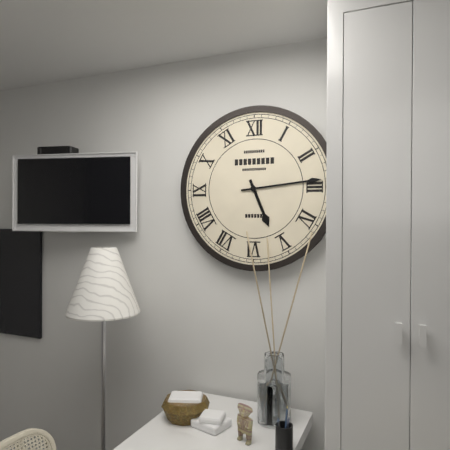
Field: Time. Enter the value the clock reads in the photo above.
5:14
